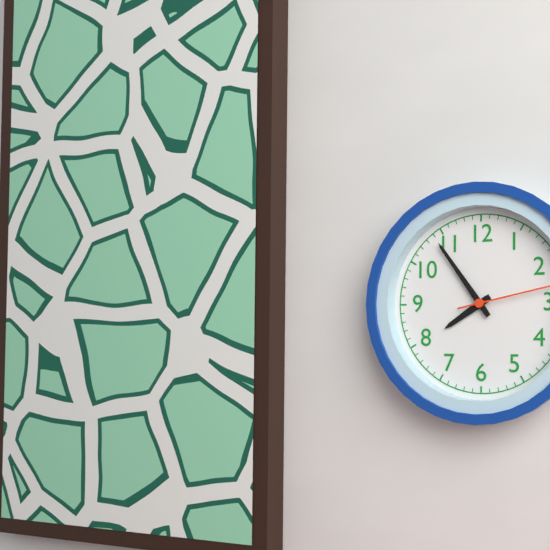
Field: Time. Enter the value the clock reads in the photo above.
7:54
